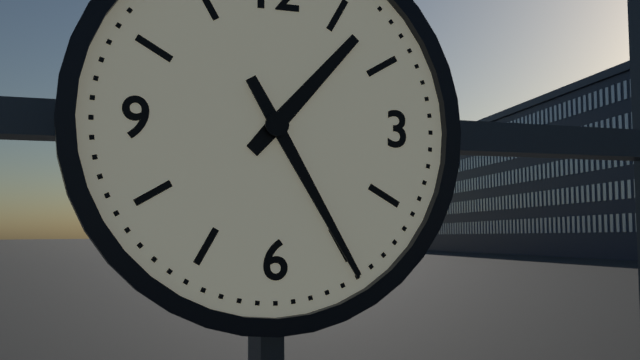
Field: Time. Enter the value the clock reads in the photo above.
1:25
